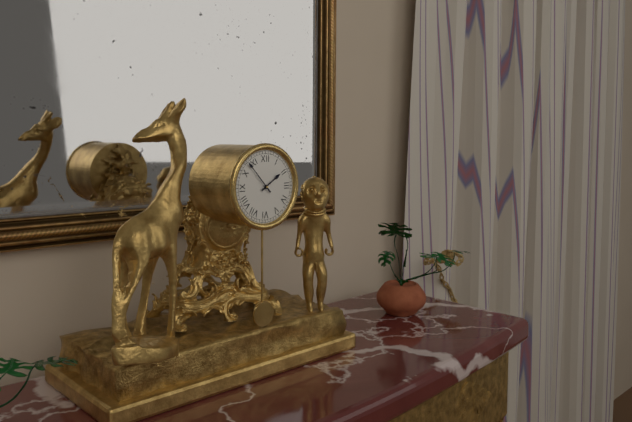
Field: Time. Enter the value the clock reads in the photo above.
1:53
